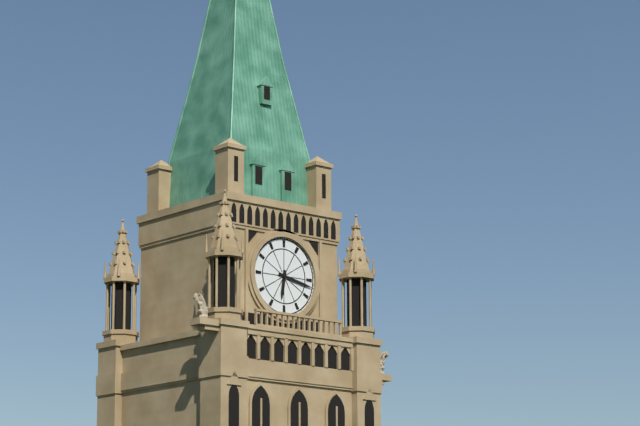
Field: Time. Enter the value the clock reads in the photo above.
6:17
